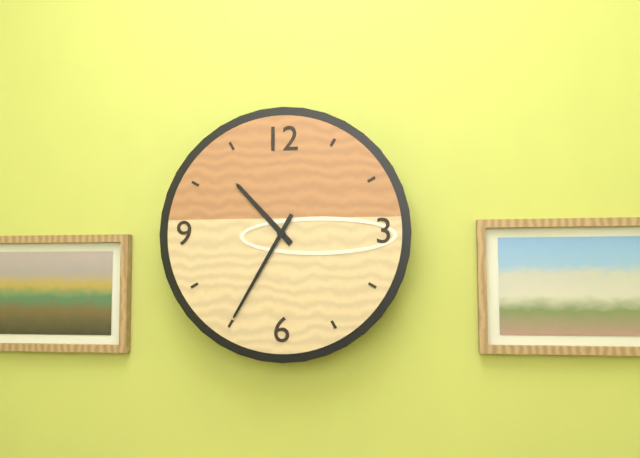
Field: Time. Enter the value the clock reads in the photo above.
10:35
